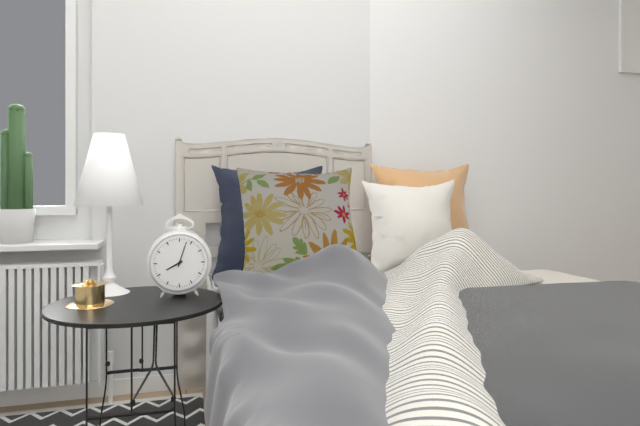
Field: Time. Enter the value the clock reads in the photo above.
8:03
